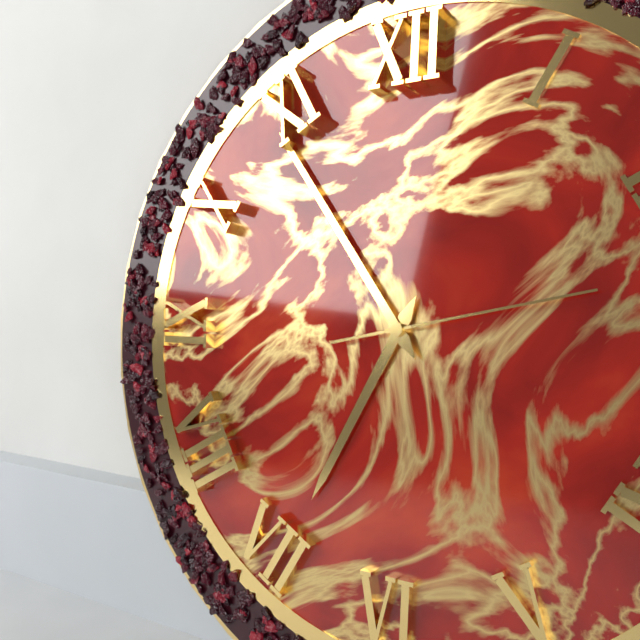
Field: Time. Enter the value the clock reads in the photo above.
6:54:13
